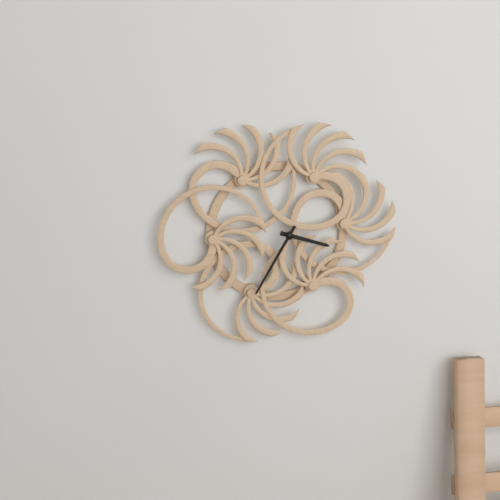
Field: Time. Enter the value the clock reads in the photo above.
3:35
